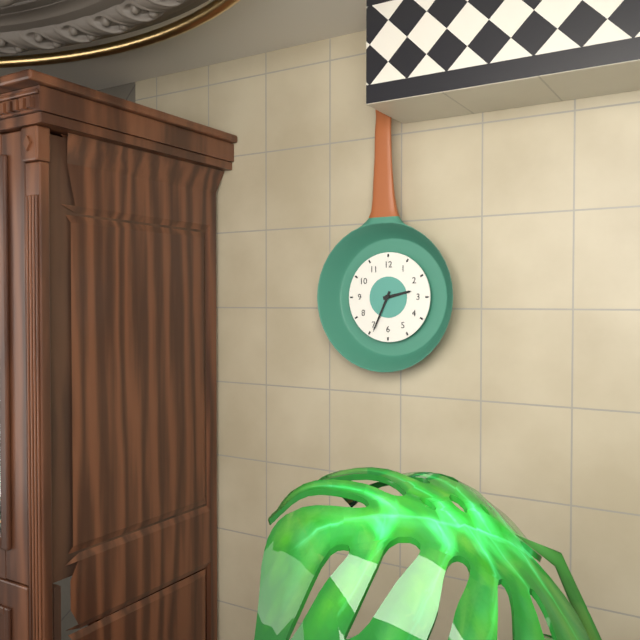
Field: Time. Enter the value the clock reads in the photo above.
2:34
